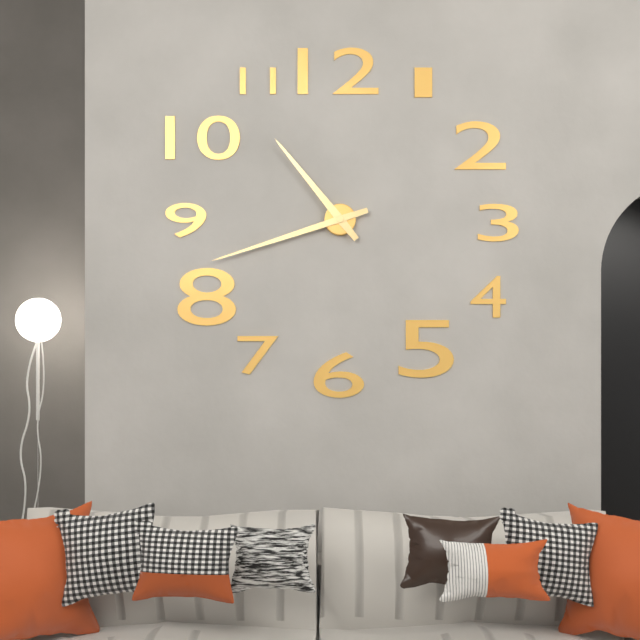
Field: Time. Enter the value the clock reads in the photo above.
10:42
